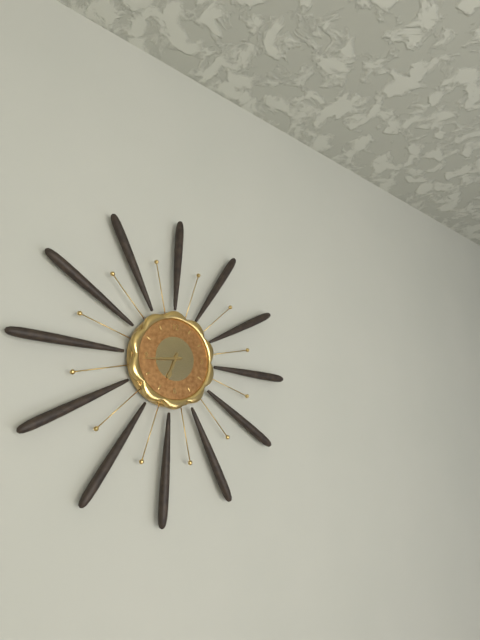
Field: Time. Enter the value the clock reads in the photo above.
6:44
